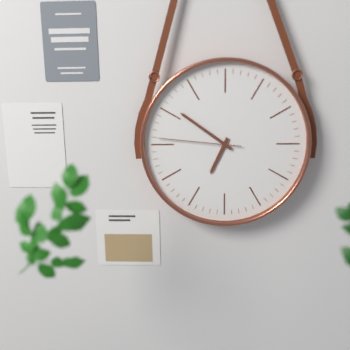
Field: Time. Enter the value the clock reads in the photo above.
6:51:46
